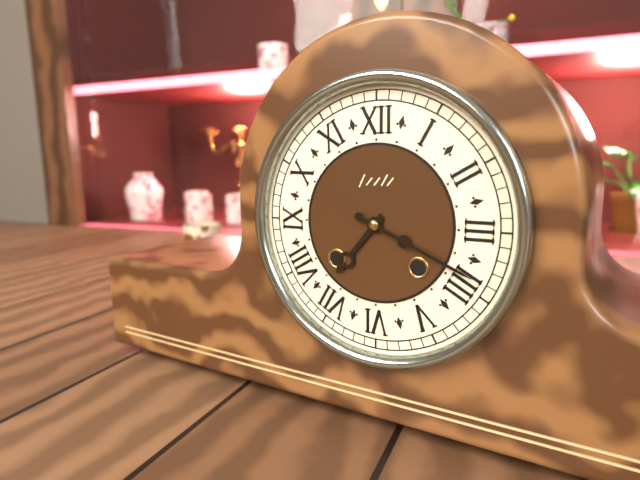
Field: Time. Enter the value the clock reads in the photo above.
7:19
